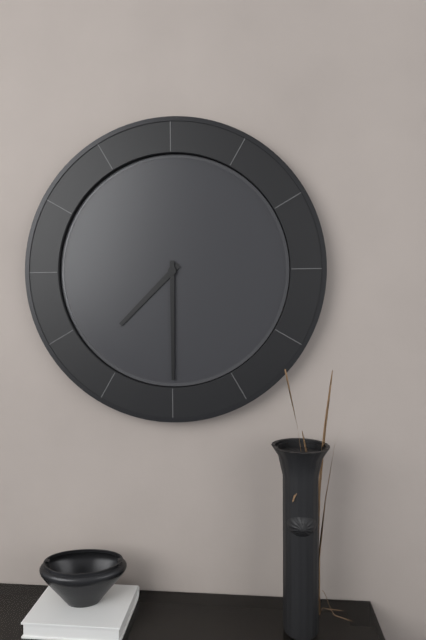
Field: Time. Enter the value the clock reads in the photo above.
7:30
